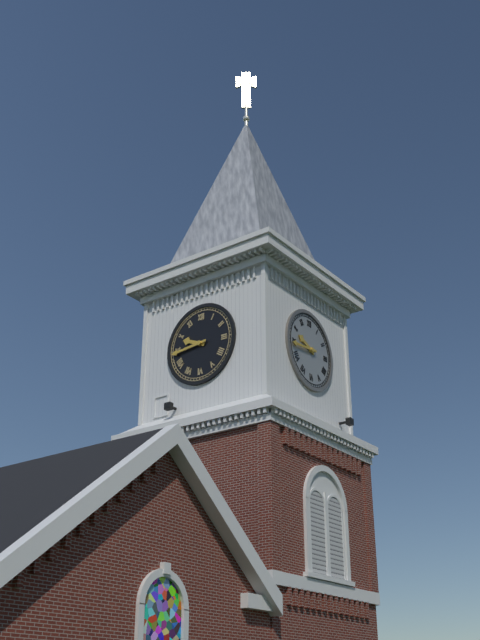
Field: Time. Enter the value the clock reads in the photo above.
9:44
